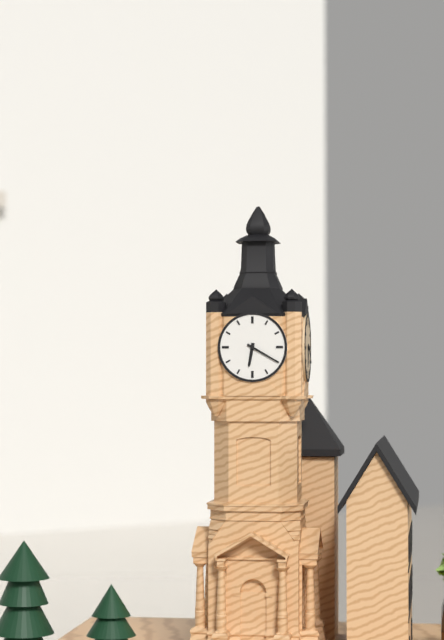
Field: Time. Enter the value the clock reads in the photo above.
6:20
